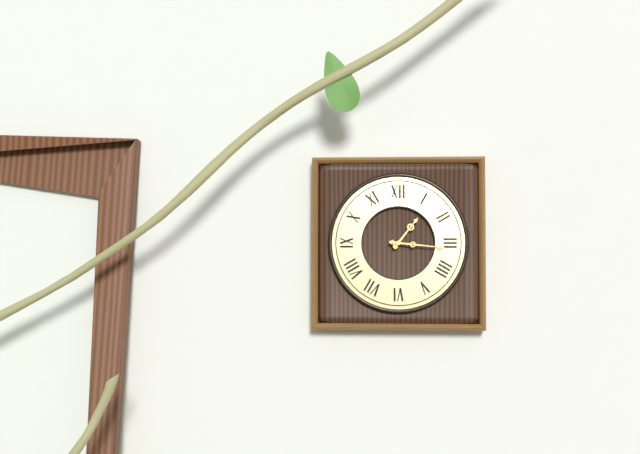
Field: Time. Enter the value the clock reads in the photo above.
1:16
